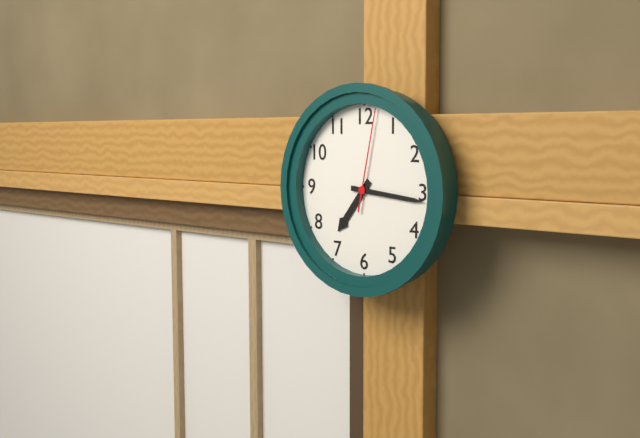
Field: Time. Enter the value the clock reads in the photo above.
7:16:02
